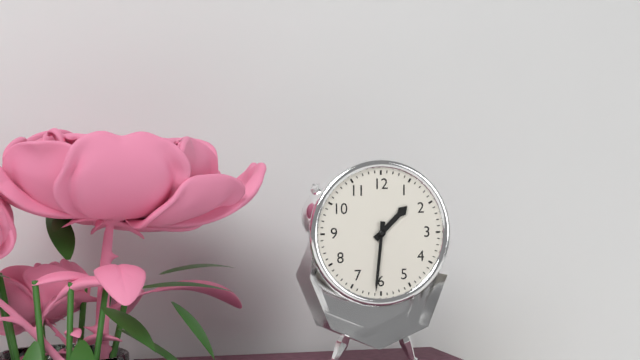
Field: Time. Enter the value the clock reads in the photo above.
1:31
